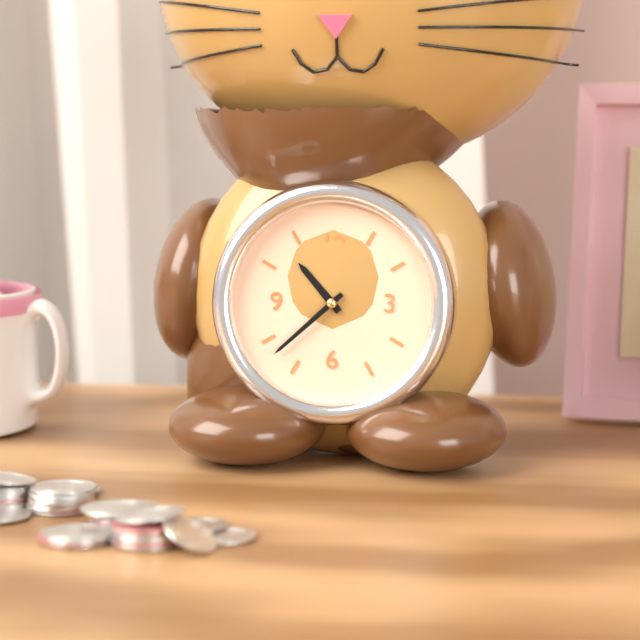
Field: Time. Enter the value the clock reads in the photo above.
10:38
